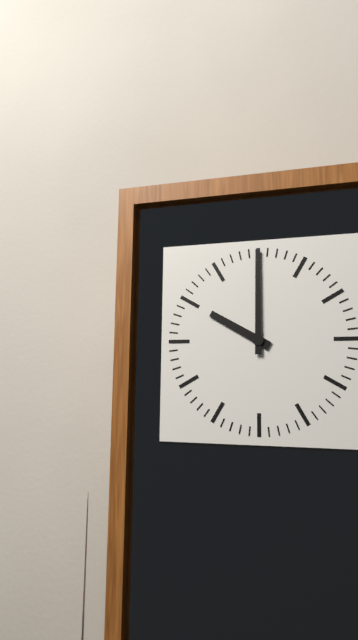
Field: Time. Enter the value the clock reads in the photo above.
10:00
